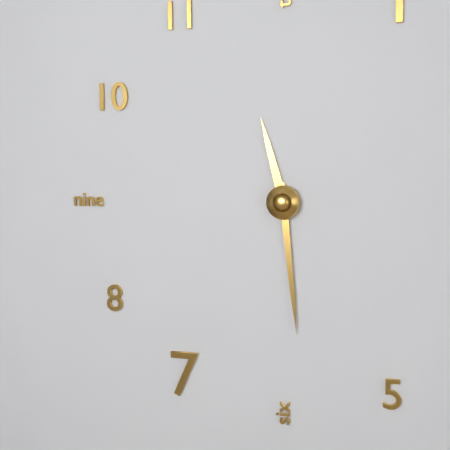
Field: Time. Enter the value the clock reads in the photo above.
11:29
